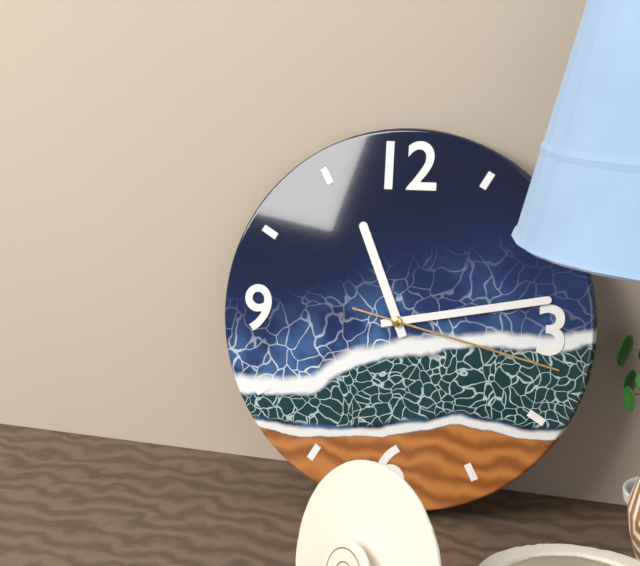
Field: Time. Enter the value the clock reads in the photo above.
11:13:17
